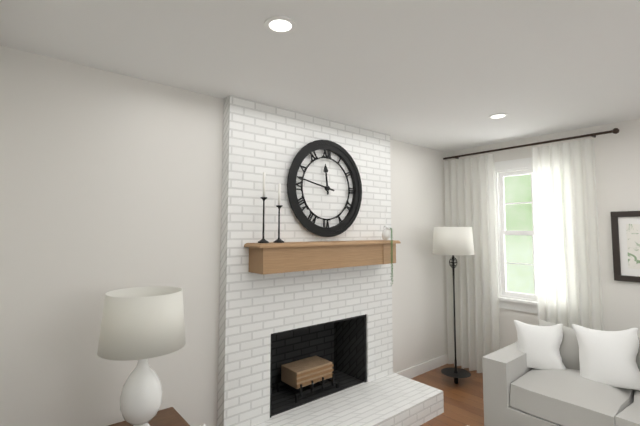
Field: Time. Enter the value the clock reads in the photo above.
11:47
